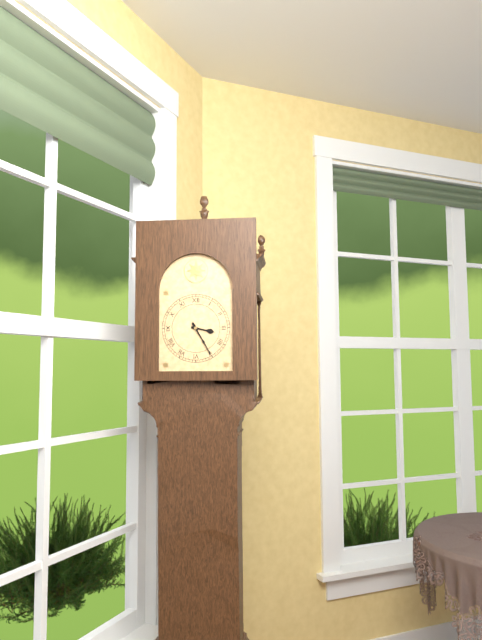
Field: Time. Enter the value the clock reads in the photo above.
3:25
